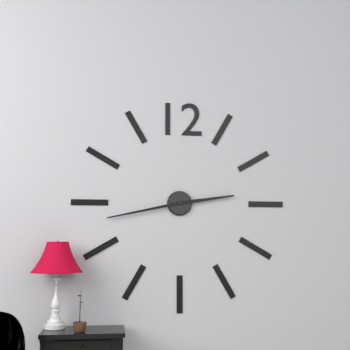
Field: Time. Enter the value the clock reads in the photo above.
2:43
